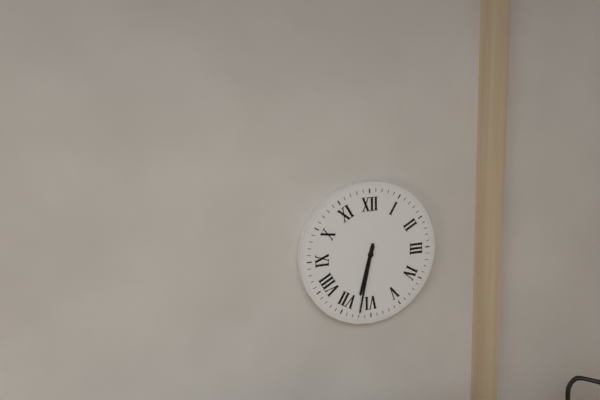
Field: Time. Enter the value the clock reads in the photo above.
6:32
